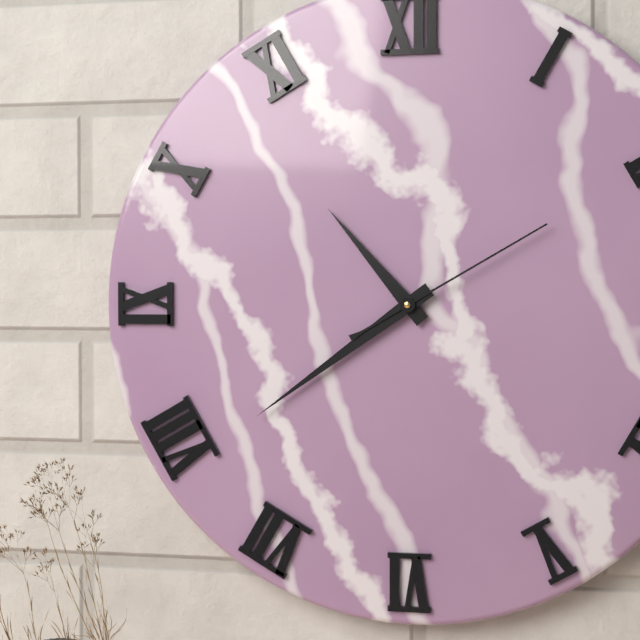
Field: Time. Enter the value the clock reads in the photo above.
10:39:10
